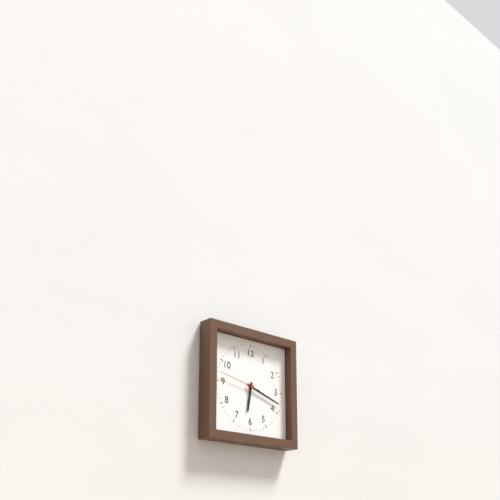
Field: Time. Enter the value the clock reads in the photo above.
6:18
